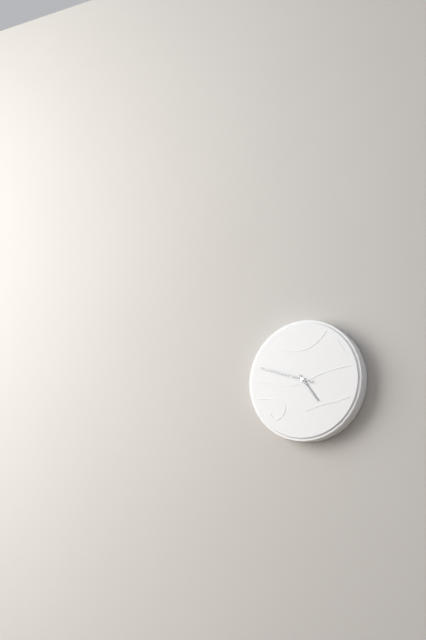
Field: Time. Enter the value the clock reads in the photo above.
4:48
